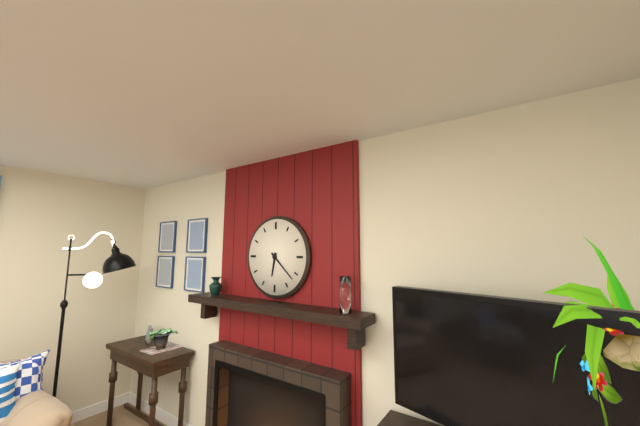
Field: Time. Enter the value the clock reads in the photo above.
6:22
